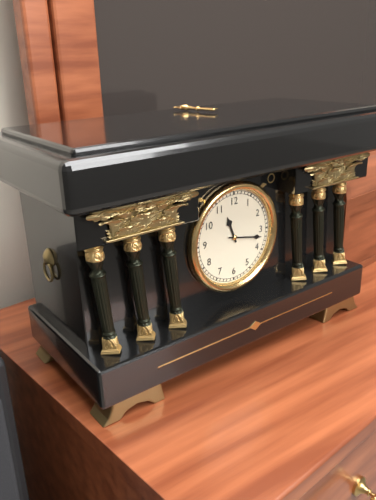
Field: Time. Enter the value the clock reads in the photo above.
11:17
